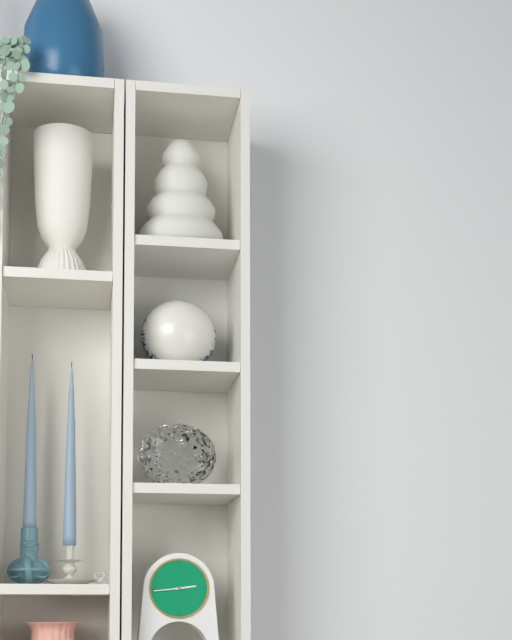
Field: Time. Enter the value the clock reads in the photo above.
2:44
